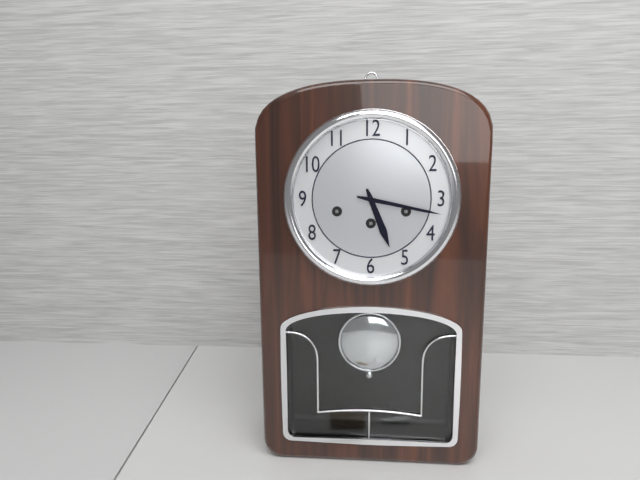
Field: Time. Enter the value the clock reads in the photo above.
5:17
